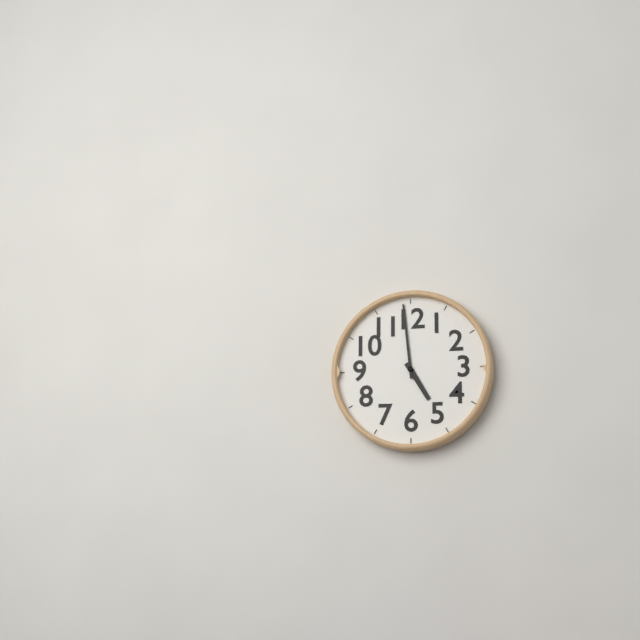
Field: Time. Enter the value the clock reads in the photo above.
4:59
